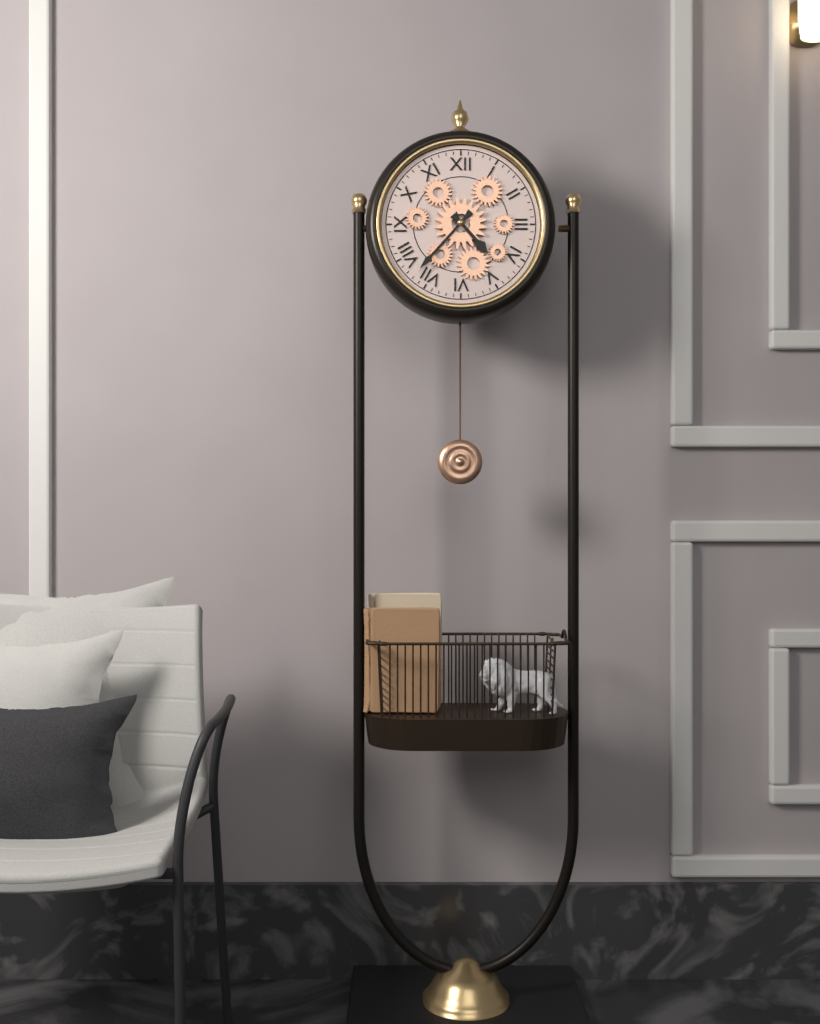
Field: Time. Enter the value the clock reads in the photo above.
4:37
